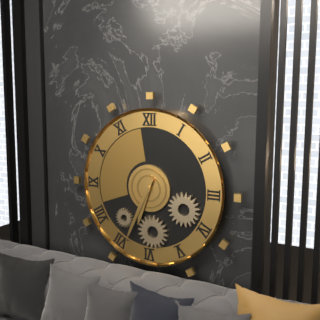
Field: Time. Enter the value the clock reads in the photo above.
6:34
